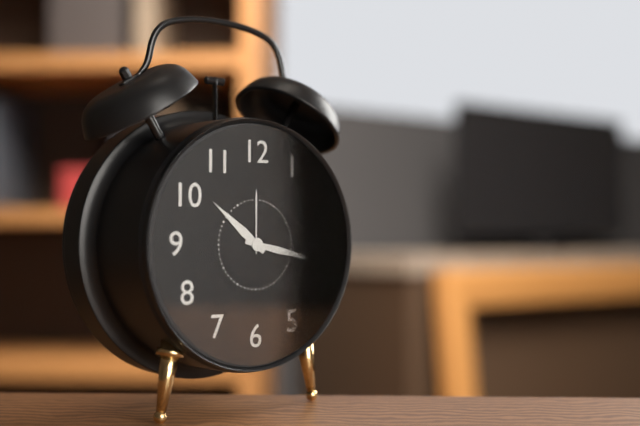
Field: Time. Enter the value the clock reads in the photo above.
10:17
